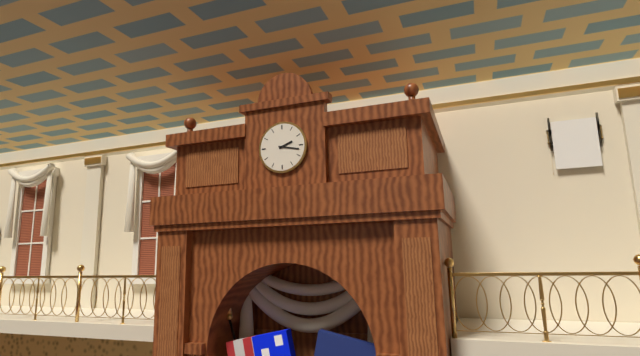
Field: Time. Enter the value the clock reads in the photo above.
2:17
